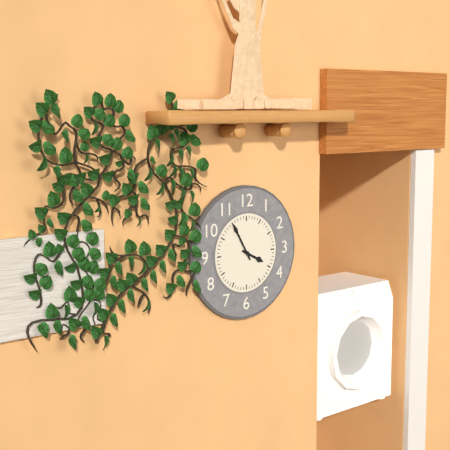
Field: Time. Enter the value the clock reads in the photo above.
3:55
